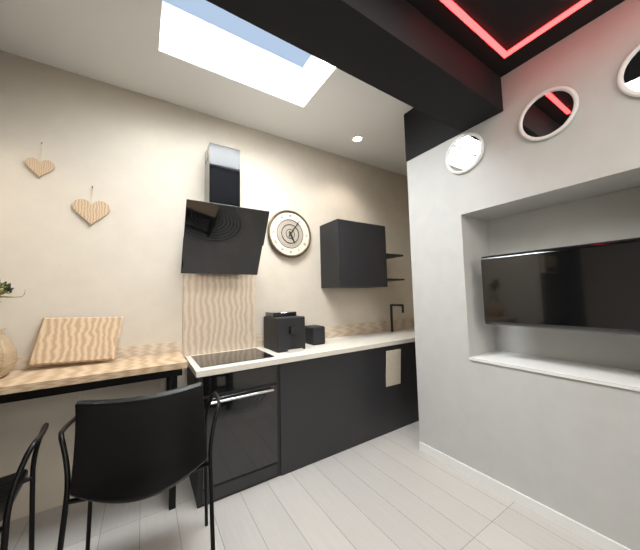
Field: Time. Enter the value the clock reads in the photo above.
5:06
